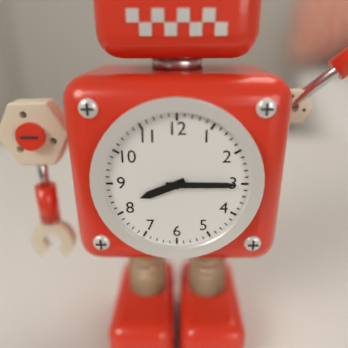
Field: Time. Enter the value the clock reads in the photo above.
8:15
